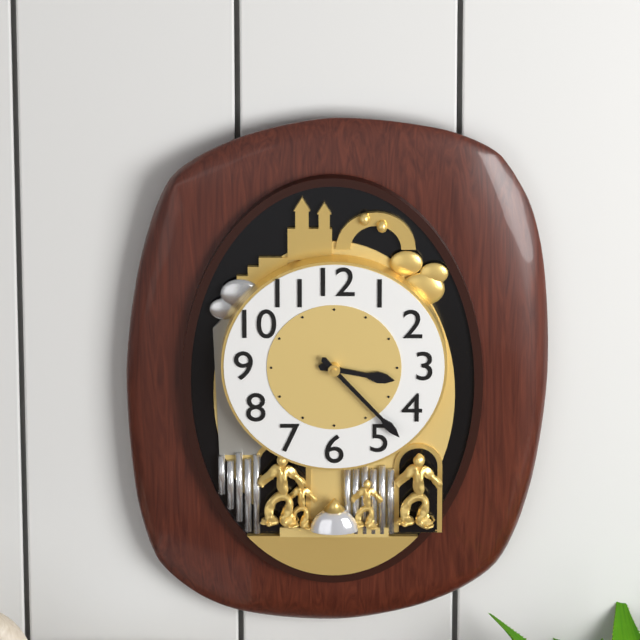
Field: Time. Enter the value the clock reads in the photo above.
3:23
